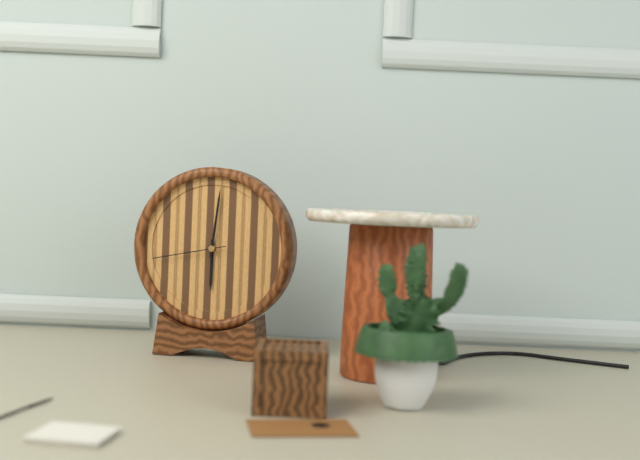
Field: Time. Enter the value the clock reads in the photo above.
6:01:43
